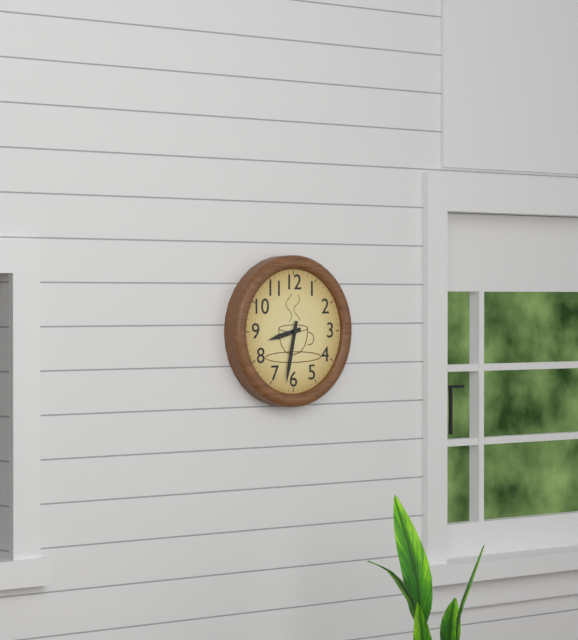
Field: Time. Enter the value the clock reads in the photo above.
8:32
